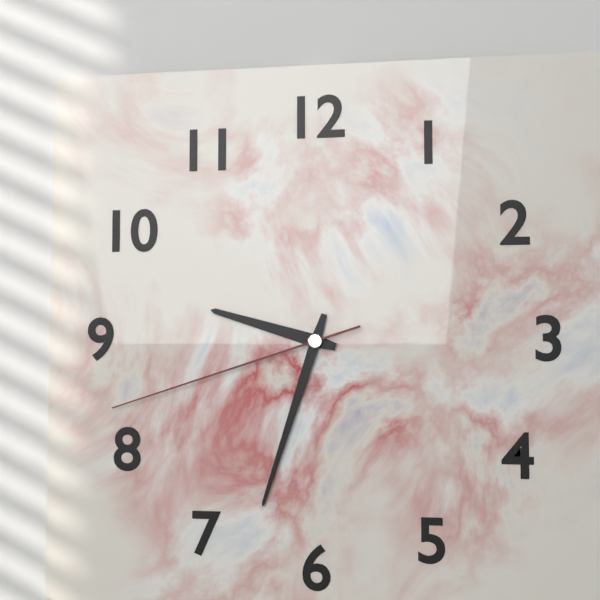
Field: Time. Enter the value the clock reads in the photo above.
9:33:42
